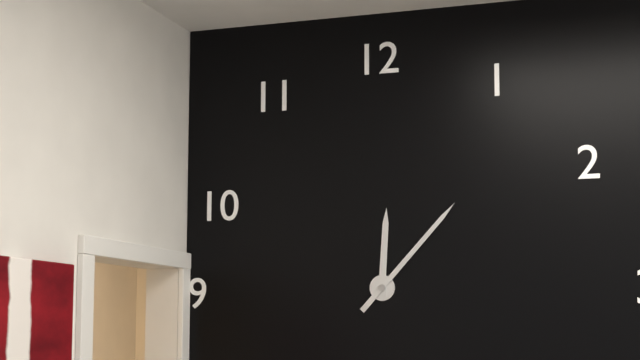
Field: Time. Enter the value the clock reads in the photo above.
12:07
